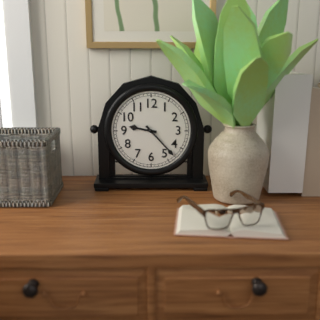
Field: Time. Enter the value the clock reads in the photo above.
9:23
